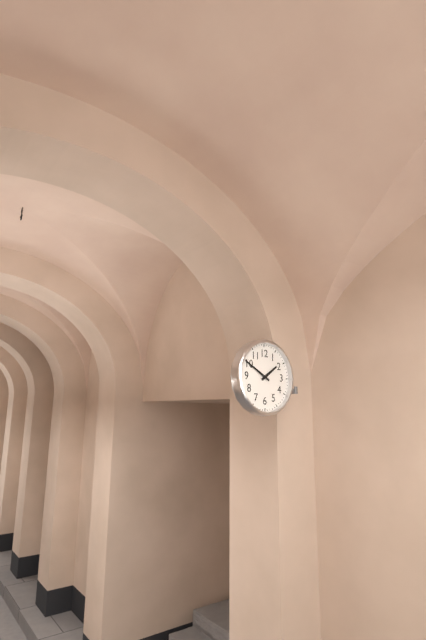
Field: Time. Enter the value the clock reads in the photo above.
1:50
